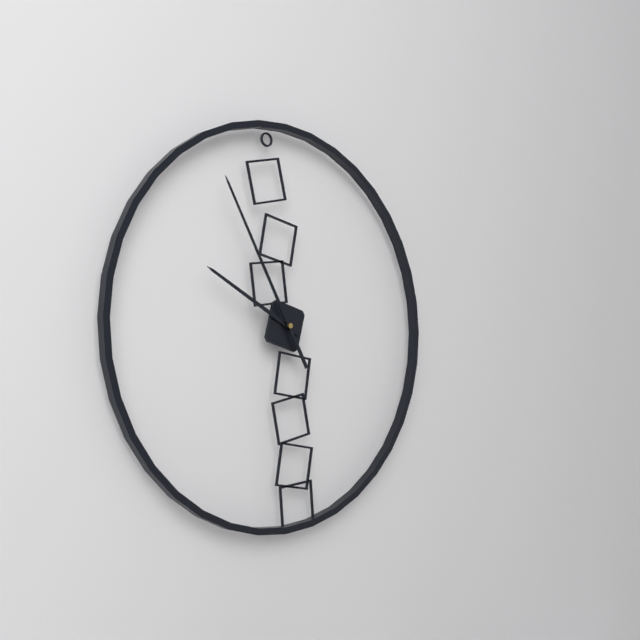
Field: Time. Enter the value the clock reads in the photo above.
9:55
